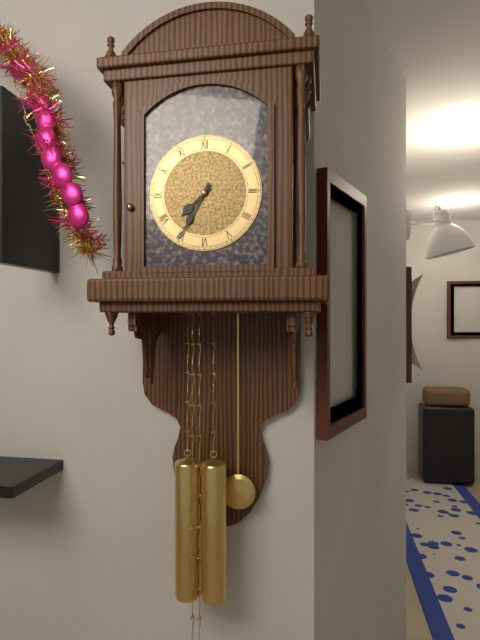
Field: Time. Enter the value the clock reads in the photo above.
7:35
